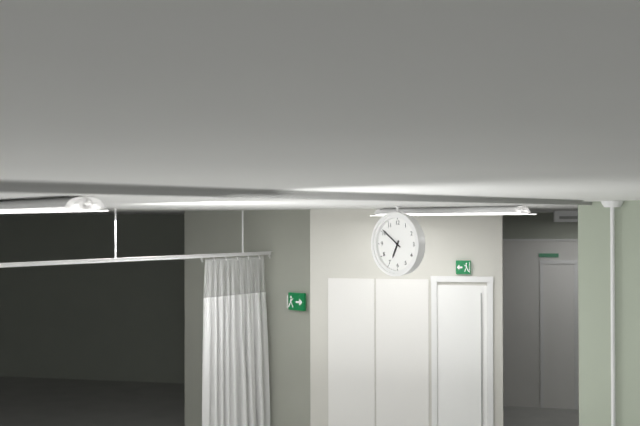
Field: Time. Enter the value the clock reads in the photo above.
6:51
